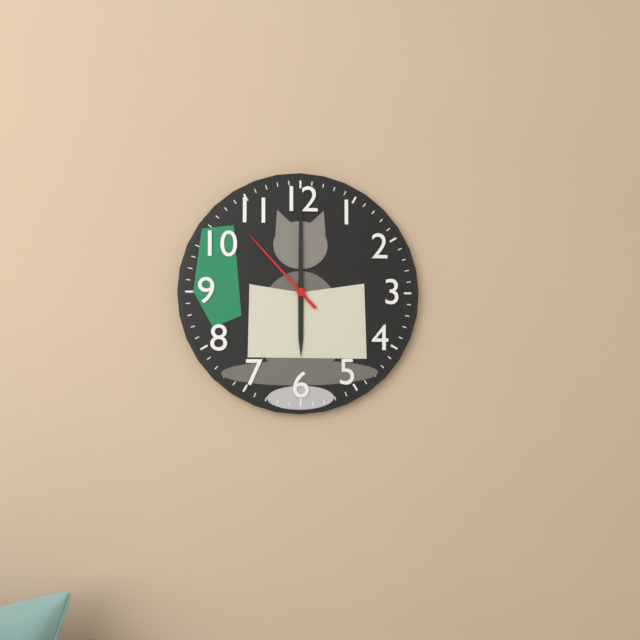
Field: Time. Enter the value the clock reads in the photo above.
6:00:53
